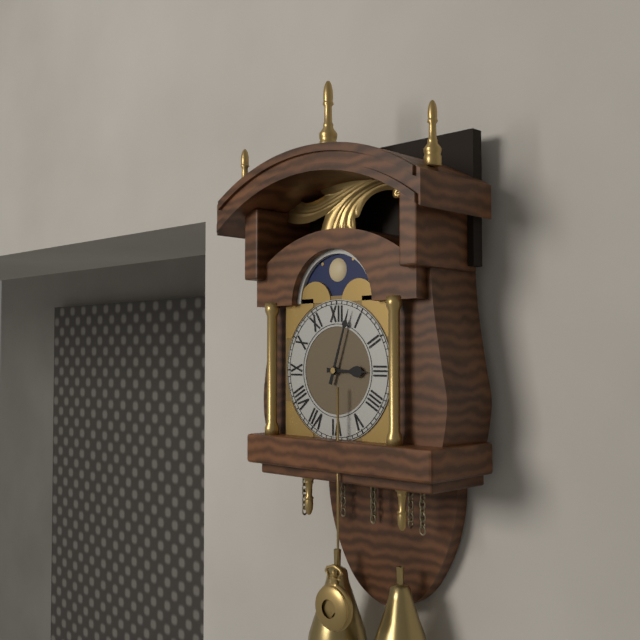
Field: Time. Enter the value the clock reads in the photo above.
3:03
